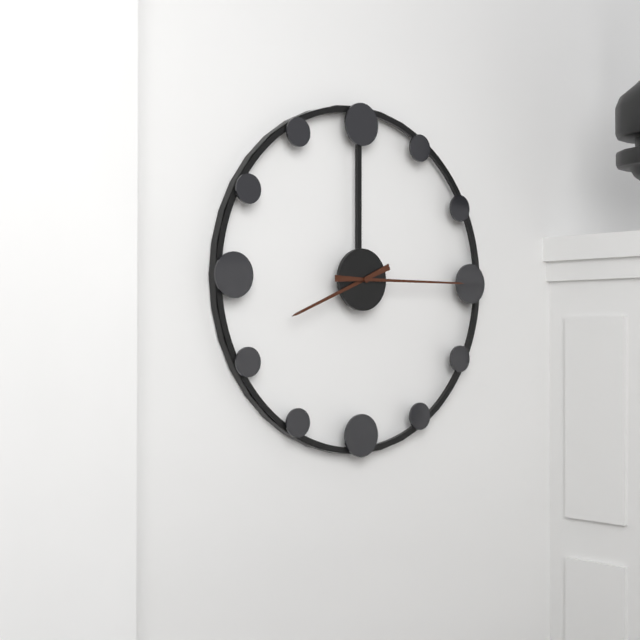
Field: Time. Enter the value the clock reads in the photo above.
8:15
